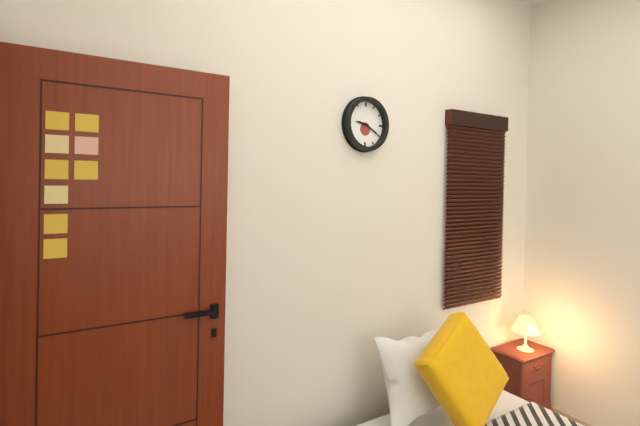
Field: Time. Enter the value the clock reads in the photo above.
9:20
